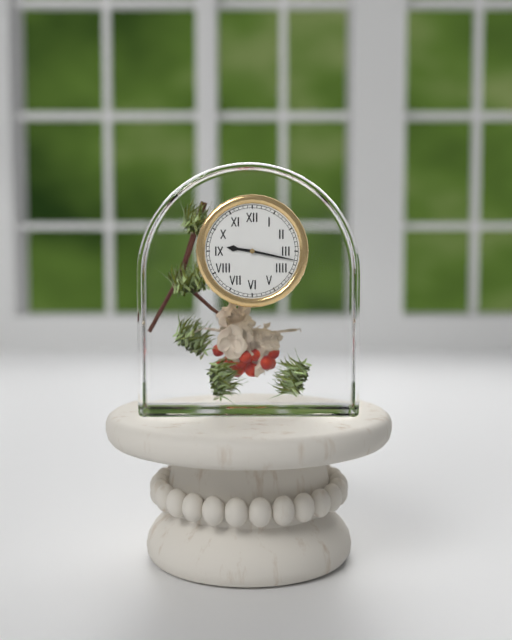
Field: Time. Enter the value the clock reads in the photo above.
9:17
